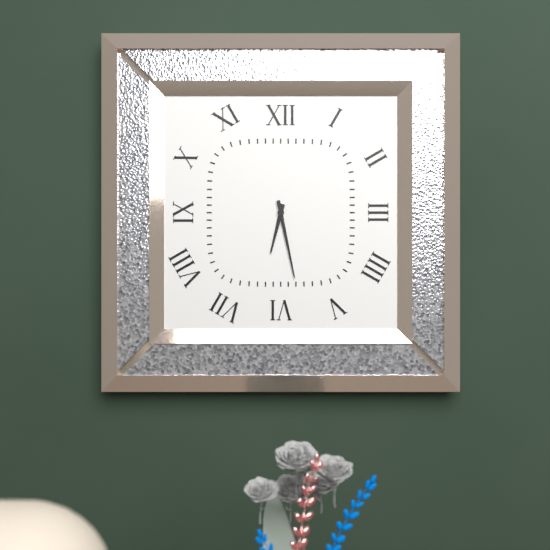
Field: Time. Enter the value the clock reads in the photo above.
6:28
